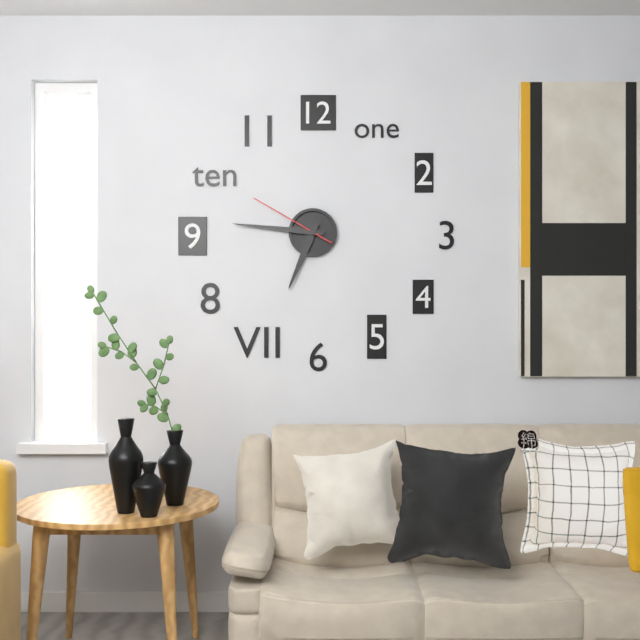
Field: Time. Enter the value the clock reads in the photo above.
6:46:50
